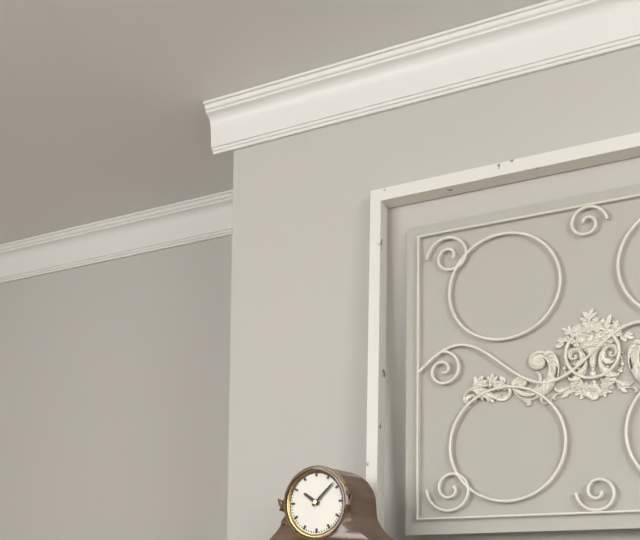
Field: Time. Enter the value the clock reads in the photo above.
10:08
